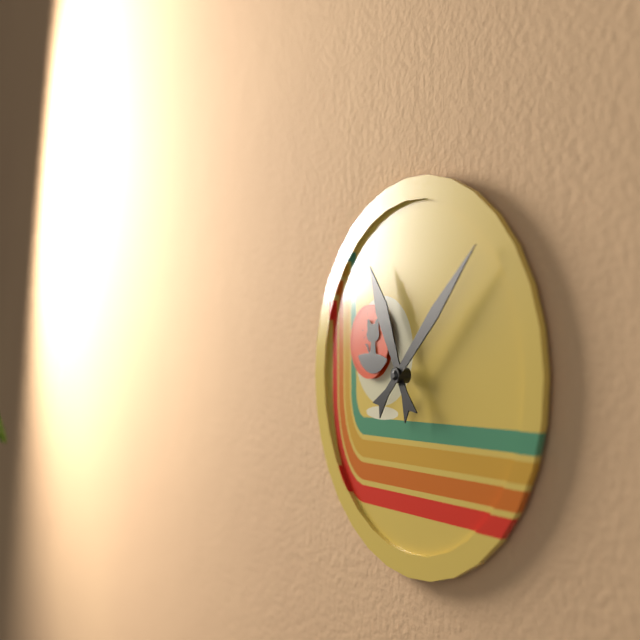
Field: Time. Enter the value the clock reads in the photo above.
11:08
